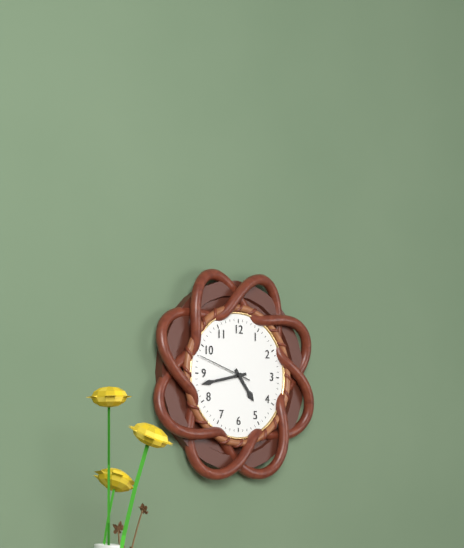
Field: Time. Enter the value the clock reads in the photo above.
4:43
